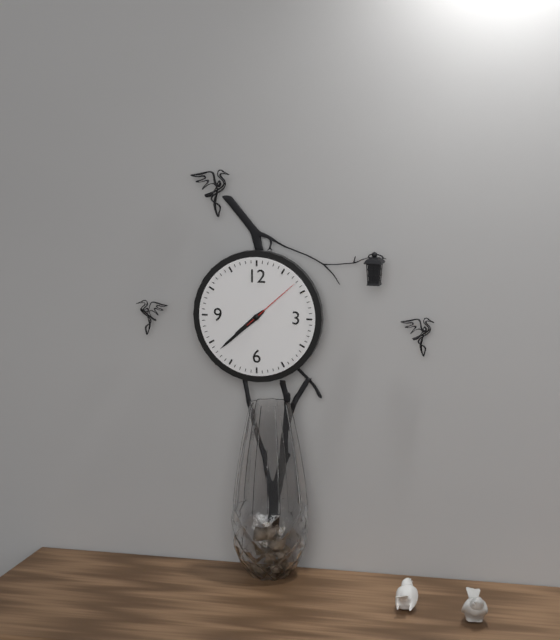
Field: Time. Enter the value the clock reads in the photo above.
7:38:08
